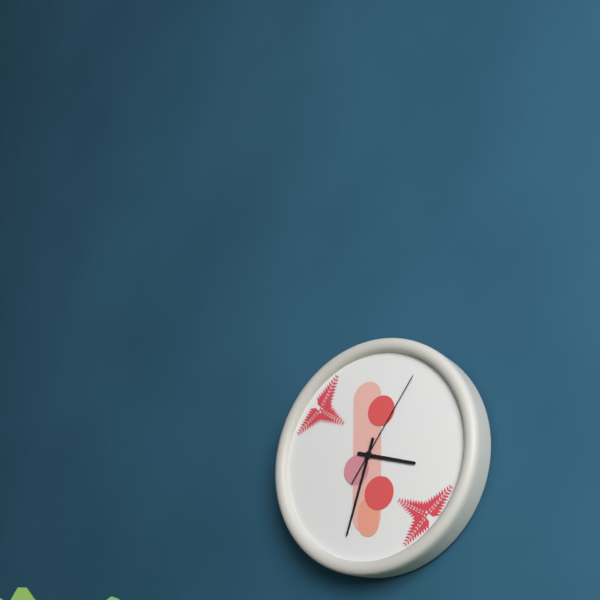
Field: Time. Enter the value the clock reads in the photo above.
3:33:06
